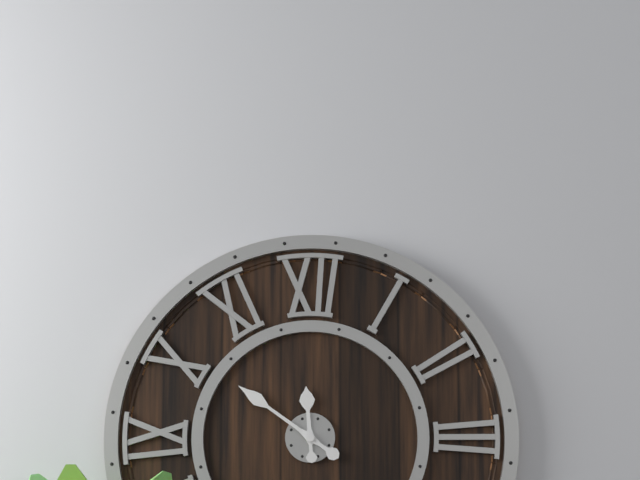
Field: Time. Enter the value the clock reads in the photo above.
11:51
